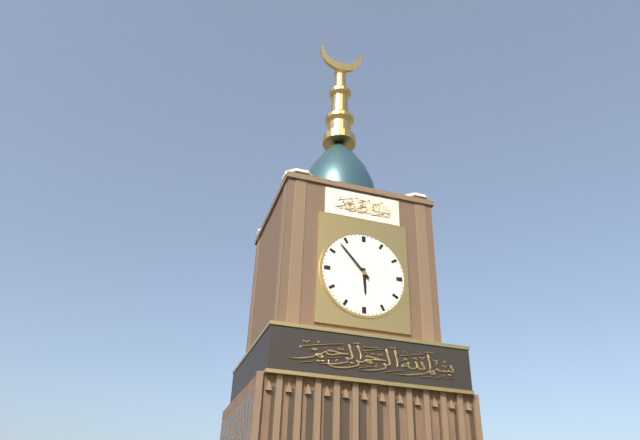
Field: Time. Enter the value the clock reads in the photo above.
5:53
